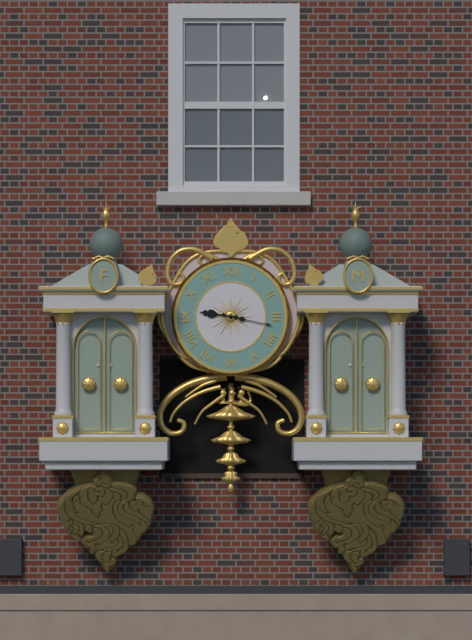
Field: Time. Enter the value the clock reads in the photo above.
9:17
